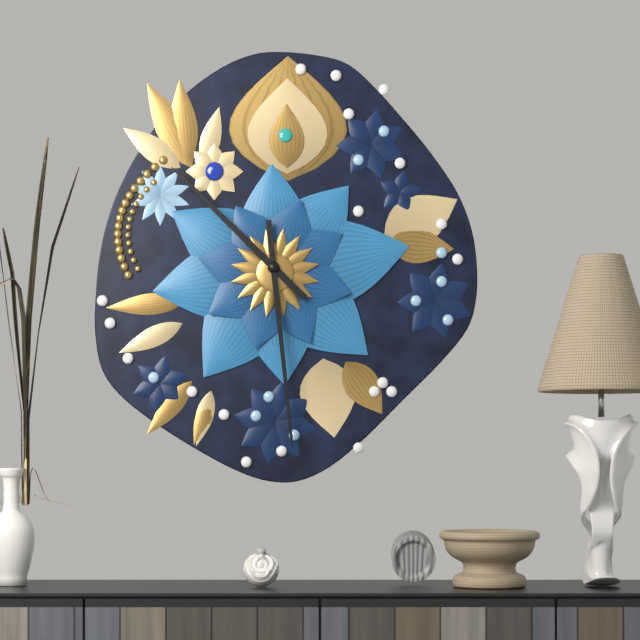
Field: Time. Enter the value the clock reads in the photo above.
10:29
